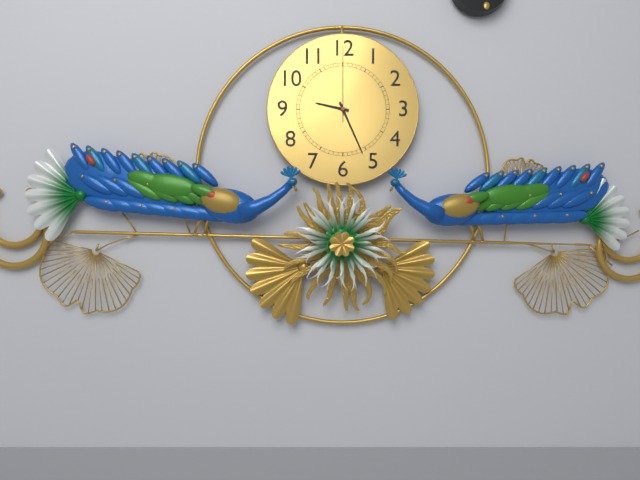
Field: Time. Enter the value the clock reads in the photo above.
9:26:00
